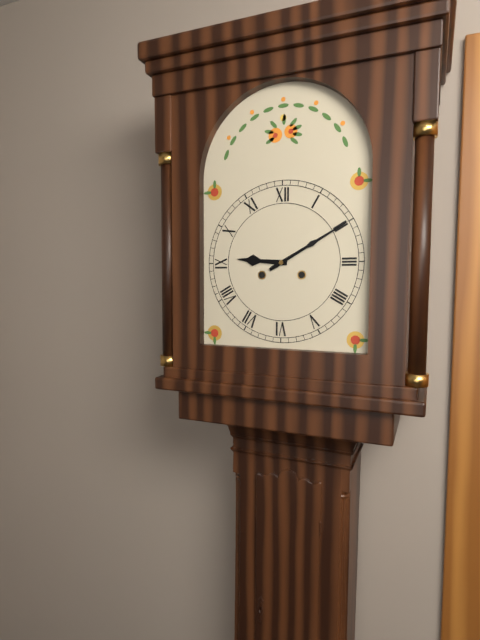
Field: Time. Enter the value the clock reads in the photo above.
9:10
